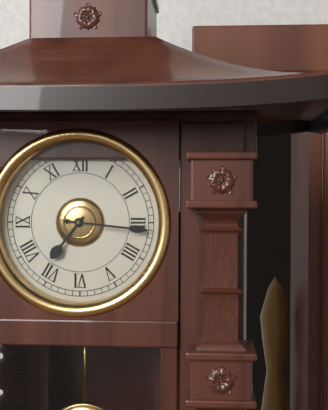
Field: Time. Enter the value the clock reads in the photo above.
7:16
